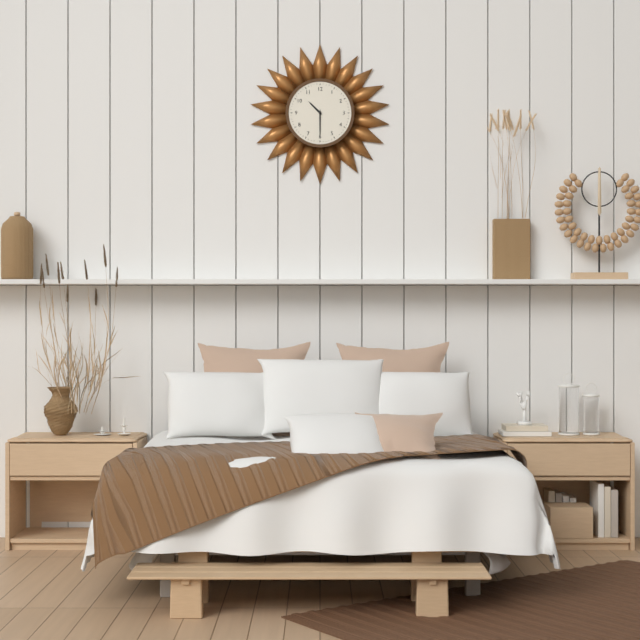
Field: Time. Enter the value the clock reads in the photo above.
10:30
